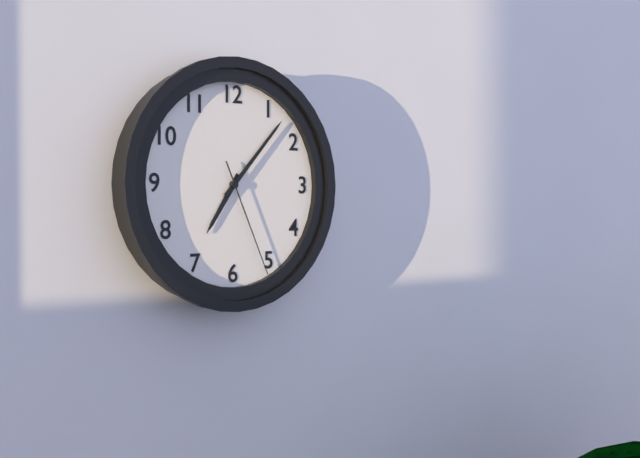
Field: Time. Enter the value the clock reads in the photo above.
7:07:26
